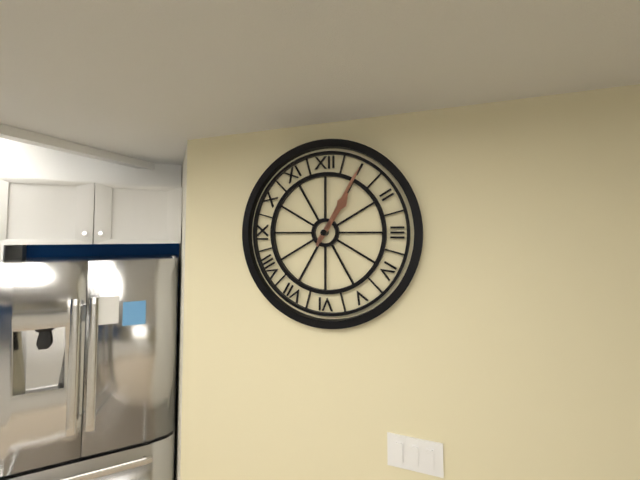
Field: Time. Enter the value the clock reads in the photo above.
1:05
